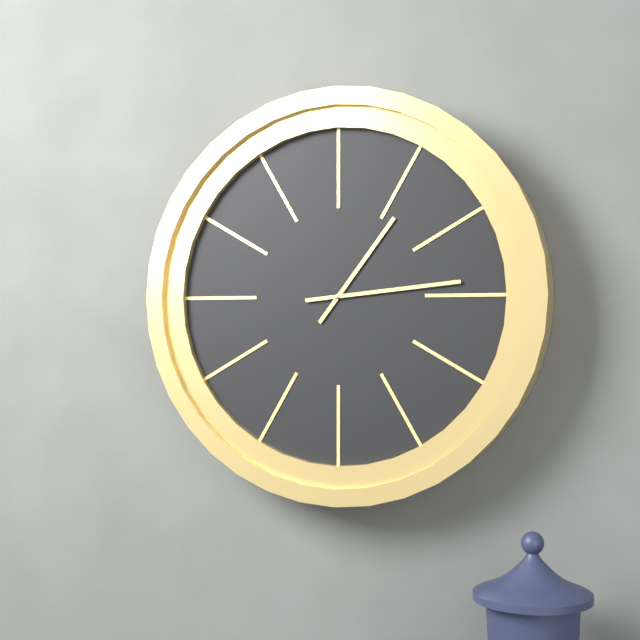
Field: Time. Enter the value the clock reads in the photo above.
1:14
